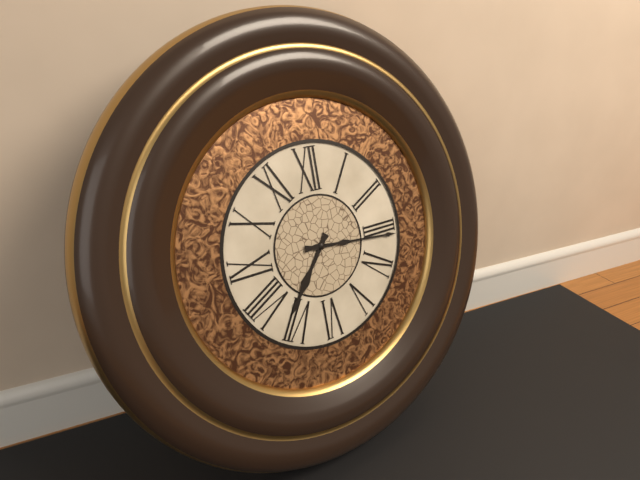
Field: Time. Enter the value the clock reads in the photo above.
7:16
